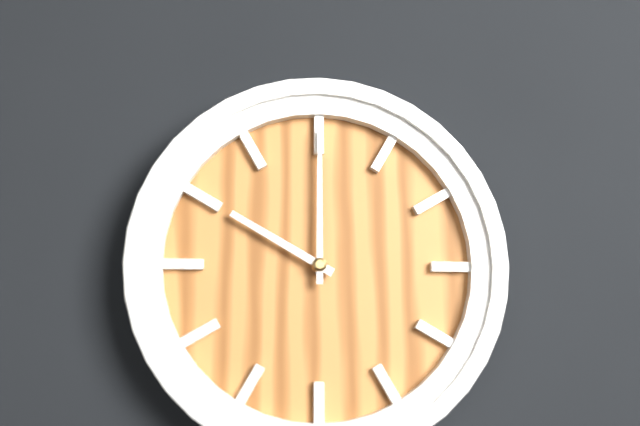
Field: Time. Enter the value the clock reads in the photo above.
10:00
